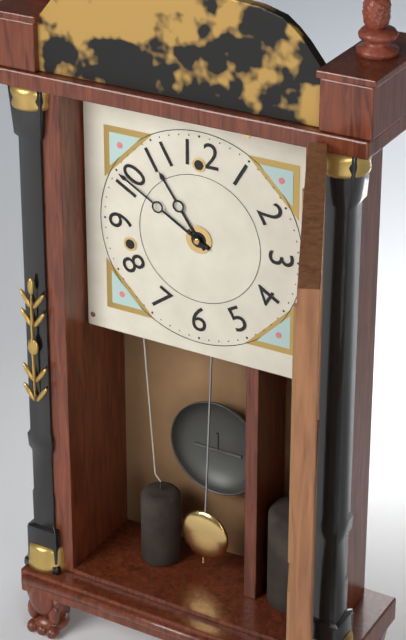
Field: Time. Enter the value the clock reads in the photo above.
10:50
